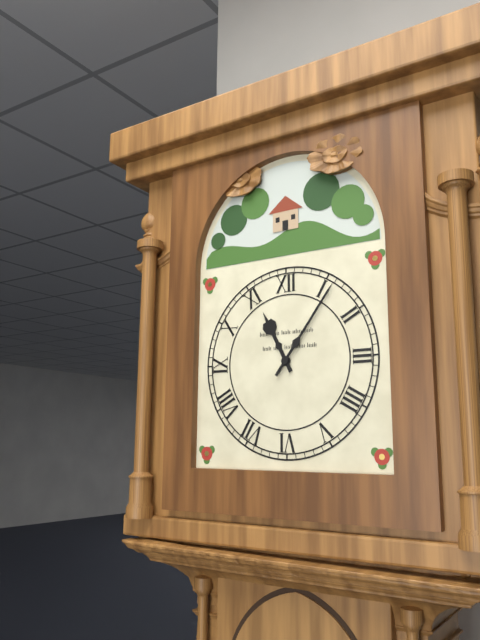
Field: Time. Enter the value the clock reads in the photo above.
11:06
